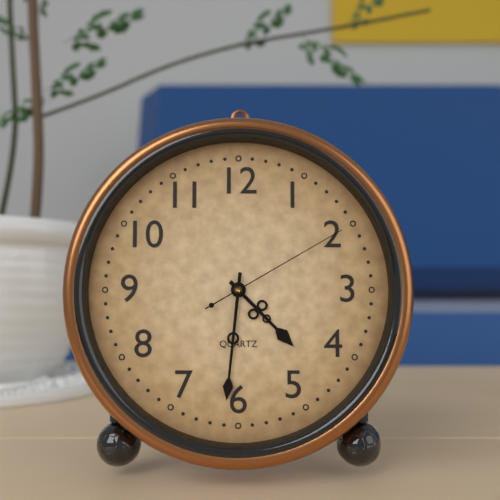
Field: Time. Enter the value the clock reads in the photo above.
4:31:10
